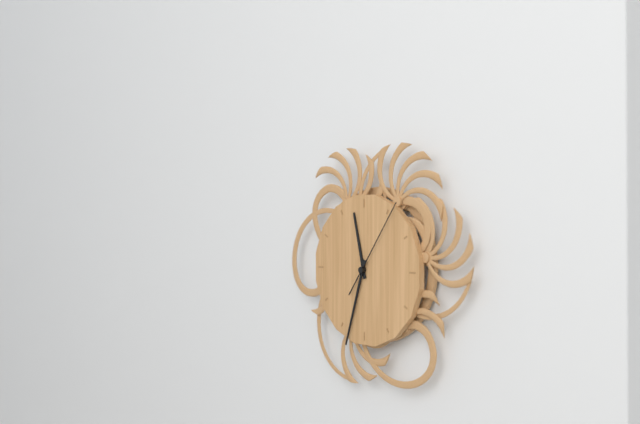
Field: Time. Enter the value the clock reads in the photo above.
11:33:06
